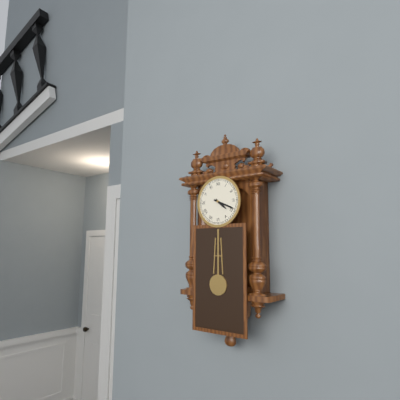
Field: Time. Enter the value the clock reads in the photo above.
4:19
